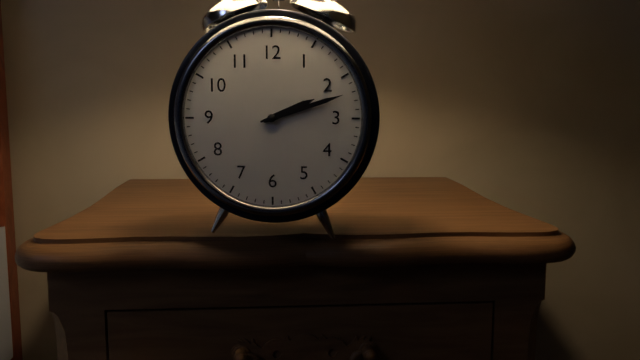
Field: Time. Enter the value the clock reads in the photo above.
2:12
